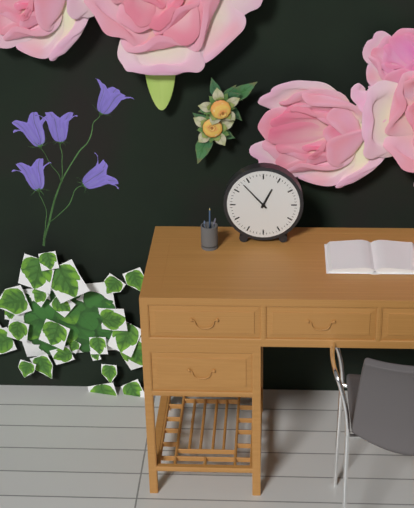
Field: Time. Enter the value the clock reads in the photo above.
12:53
